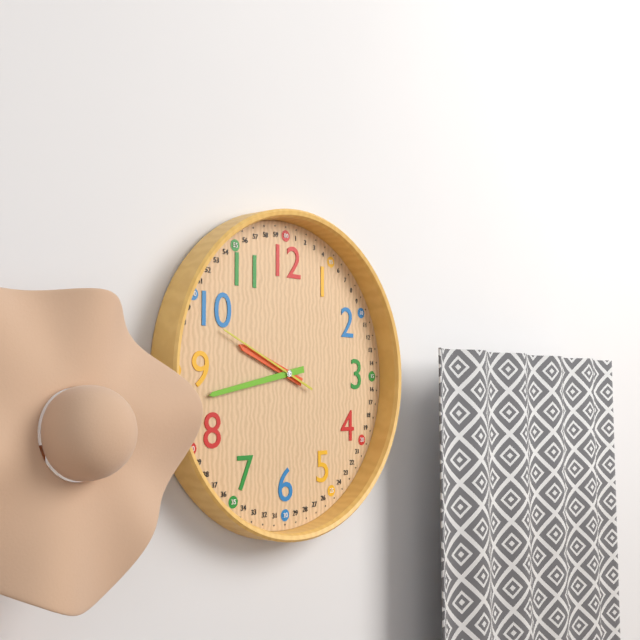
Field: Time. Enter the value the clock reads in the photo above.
9:43:49
